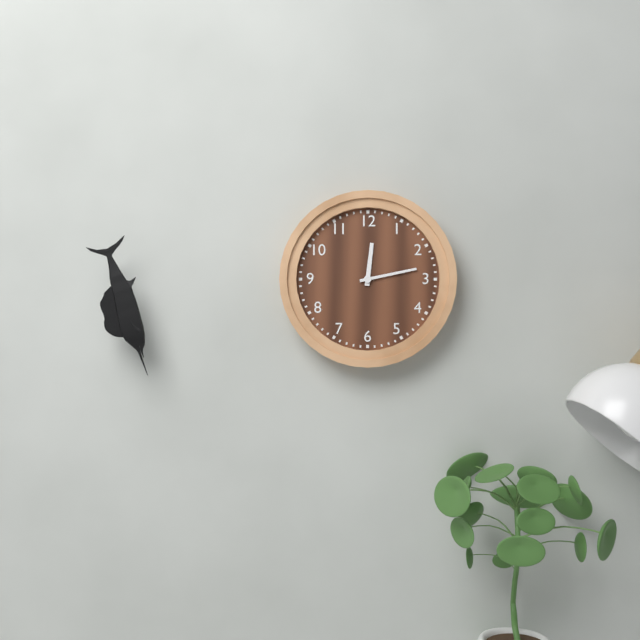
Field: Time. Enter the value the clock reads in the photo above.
12:13
